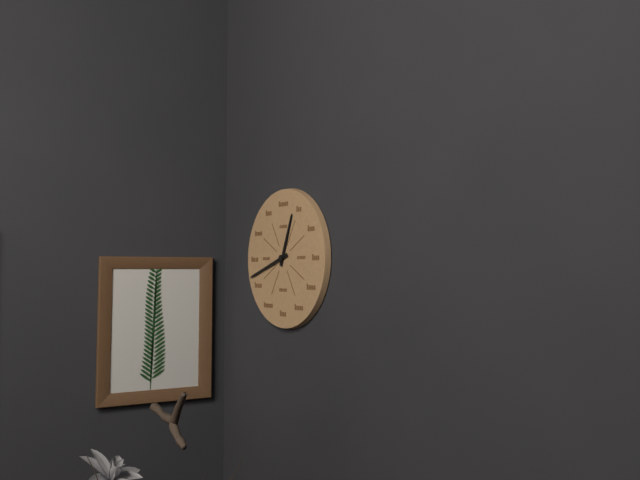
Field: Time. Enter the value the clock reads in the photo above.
12:42
